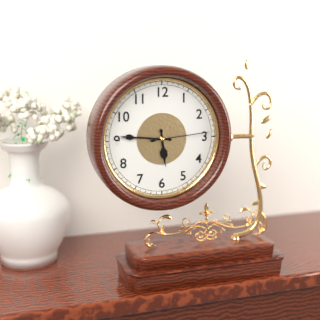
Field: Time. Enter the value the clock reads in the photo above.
5:46:14
